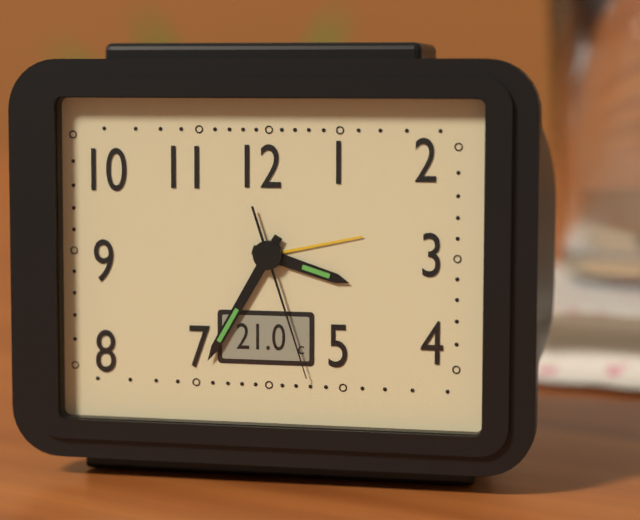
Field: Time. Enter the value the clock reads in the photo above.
3:35:27
